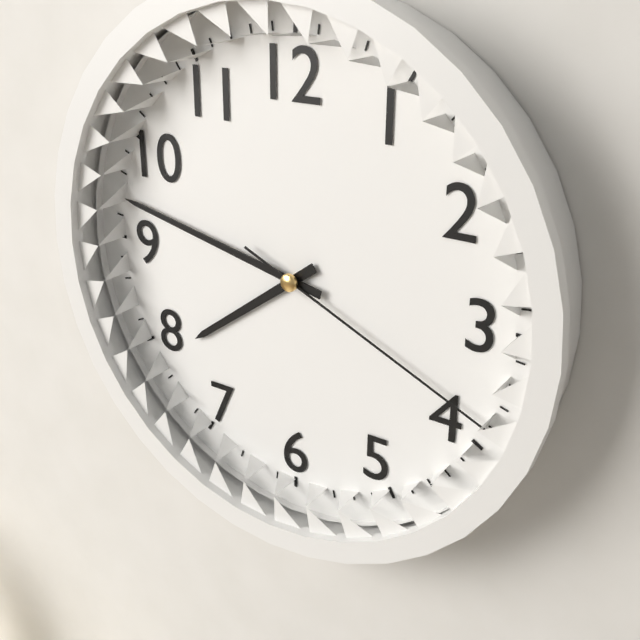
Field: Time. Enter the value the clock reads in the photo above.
7:47:19
